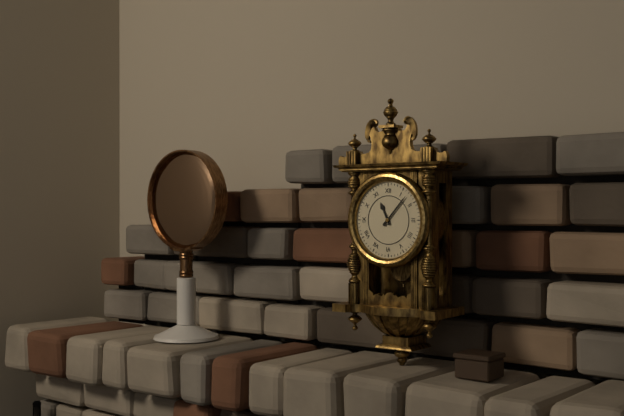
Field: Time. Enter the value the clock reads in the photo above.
11:07
